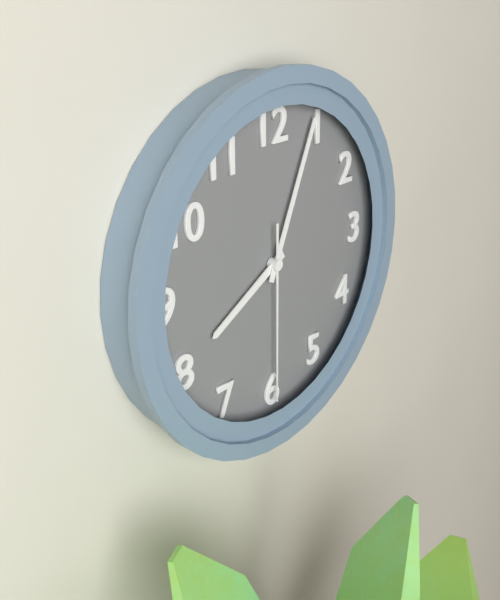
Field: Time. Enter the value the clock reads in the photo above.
8:04:30
